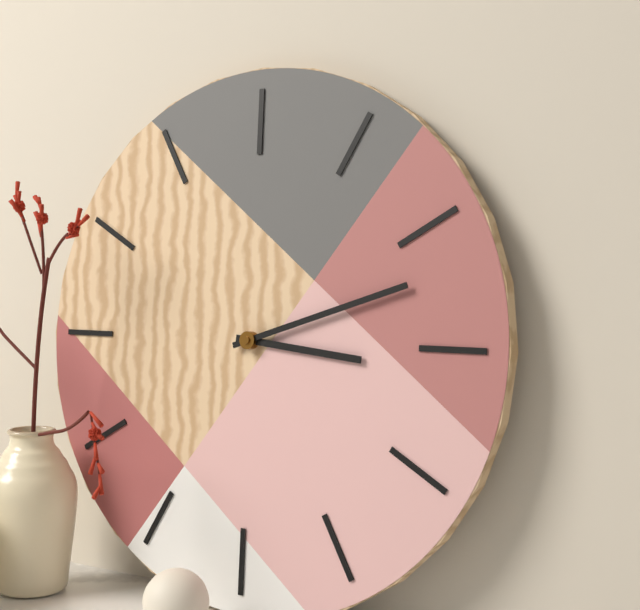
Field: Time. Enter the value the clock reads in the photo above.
3:12
